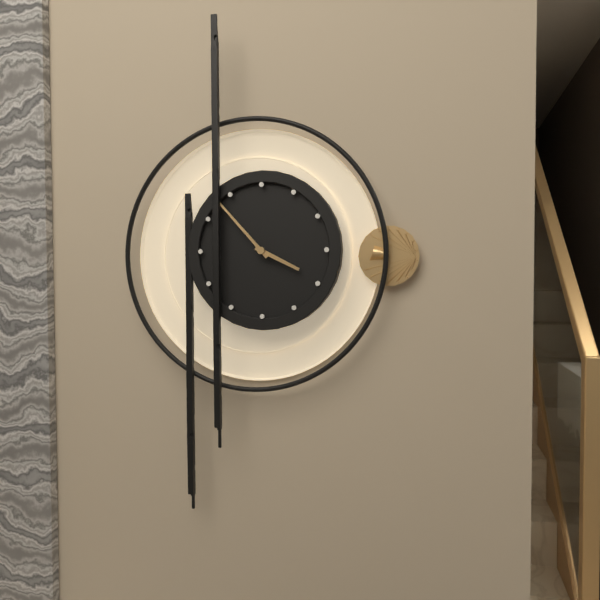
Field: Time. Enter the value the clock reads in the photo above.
3:53
